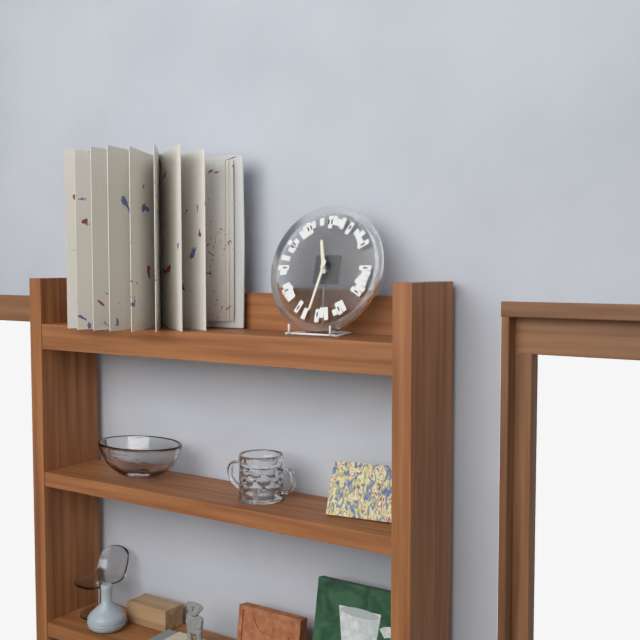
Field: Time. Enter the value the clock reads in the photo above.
11:32
